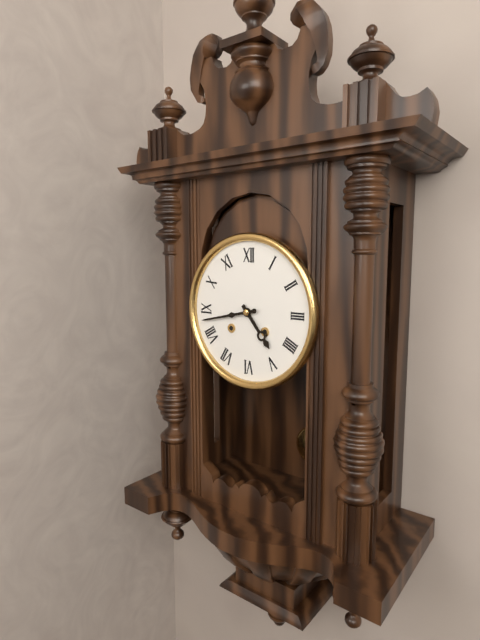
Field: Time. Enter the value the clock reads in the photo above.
4:43
